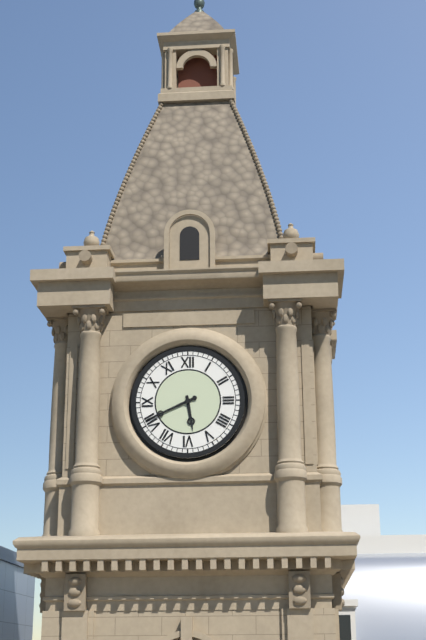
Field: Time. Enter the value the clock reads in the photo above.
5:41
